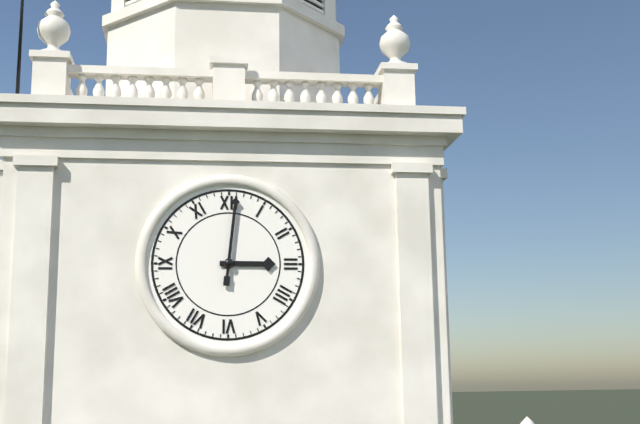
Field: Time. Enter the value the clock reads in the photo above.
3:01
